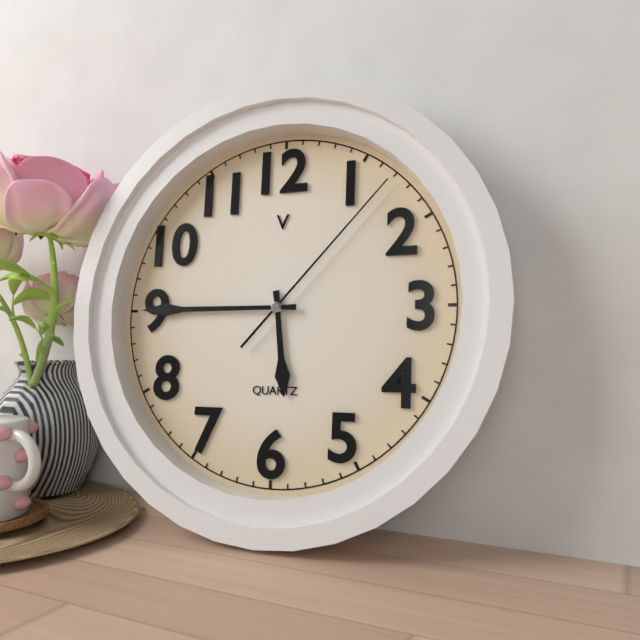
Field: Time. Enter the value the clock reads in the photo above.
5:45:07
